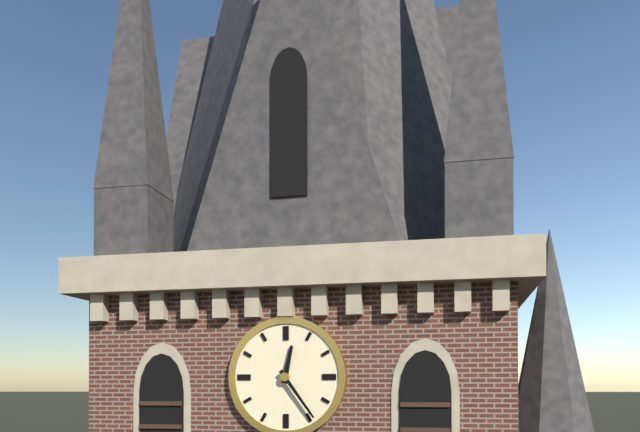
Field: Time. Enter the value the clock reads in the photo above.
12:24
